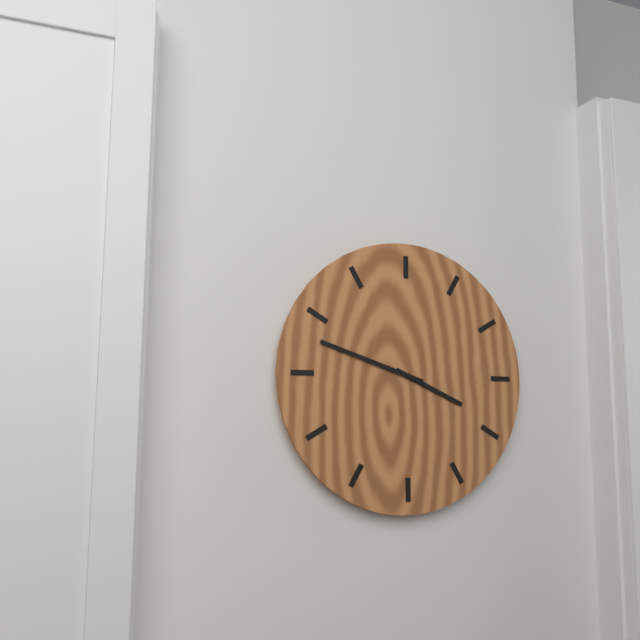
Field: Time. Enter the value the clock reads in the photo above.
3:48
